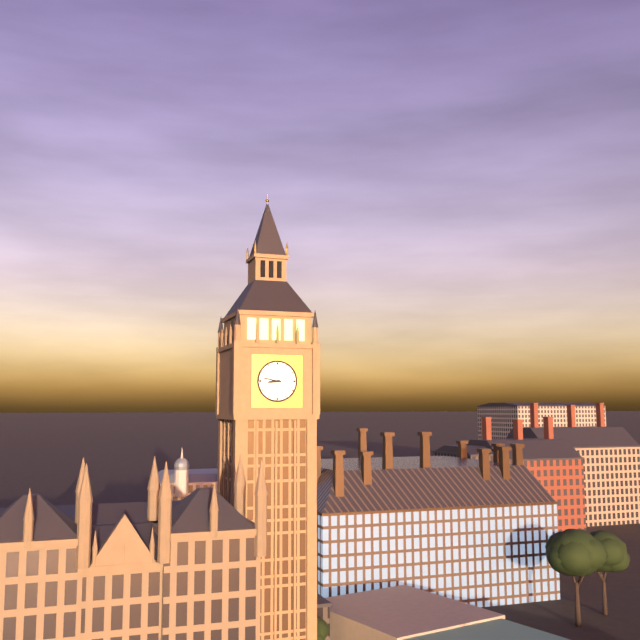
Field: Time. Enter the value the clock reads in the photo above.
8:47
